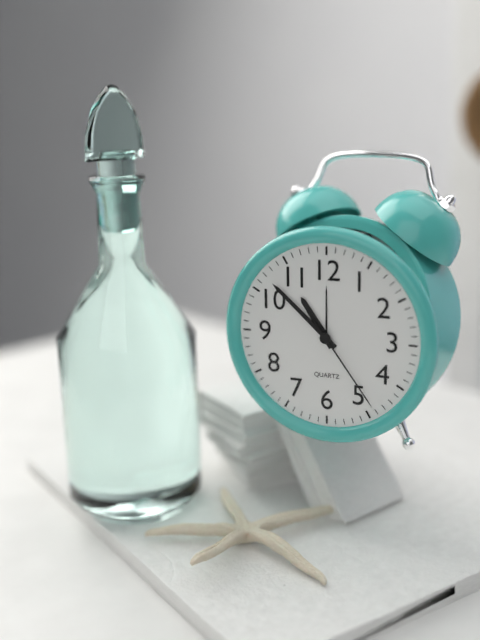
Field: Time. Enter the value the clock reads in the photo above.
10:52:24
